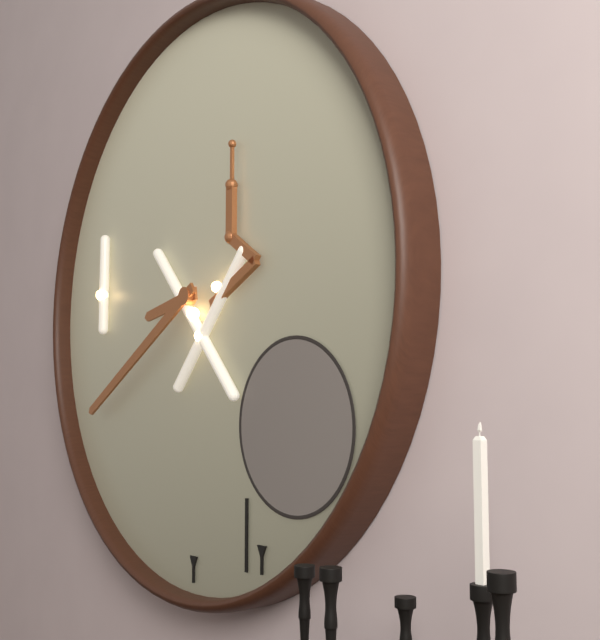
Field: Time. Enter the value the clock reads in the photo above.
8:40
